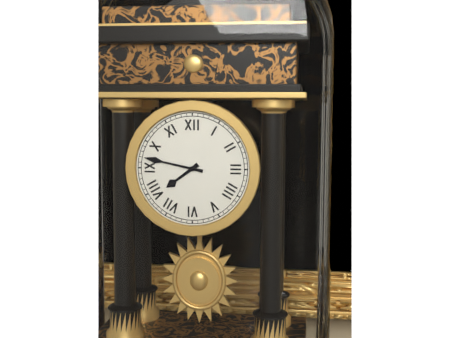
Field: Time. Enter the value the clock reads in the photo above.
7:47
